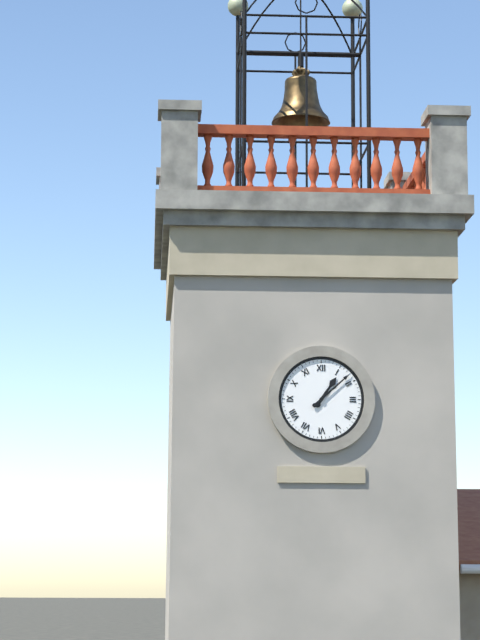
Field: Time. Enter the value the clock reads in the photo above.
1:08
